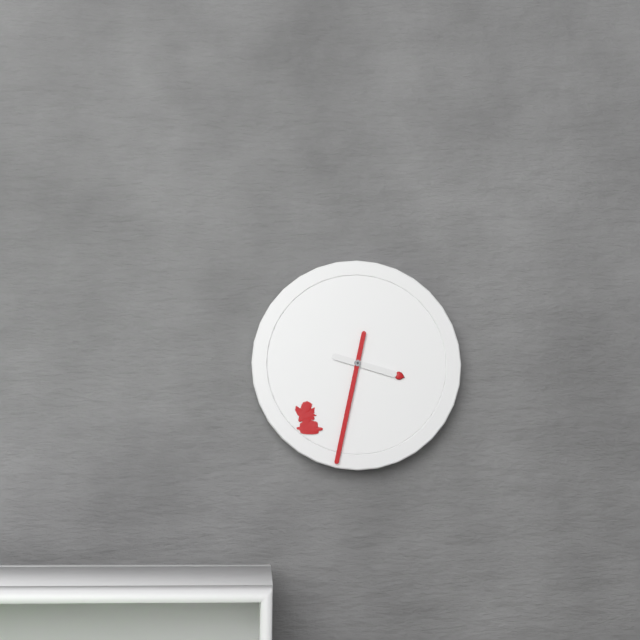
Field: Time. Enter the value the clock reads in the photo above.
3:32
